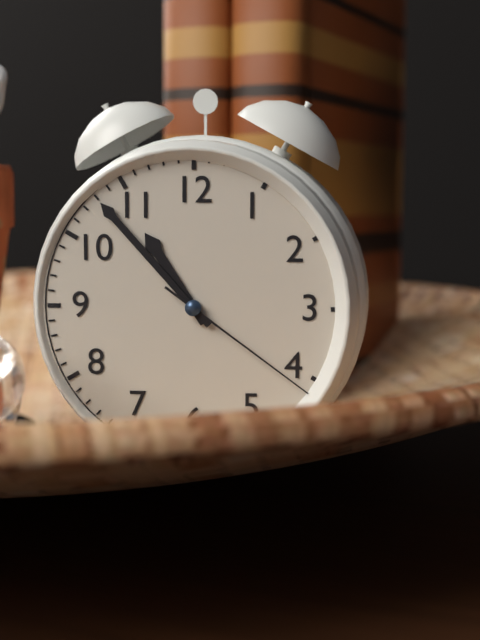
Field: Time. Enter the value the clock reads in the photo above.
10:53:21
